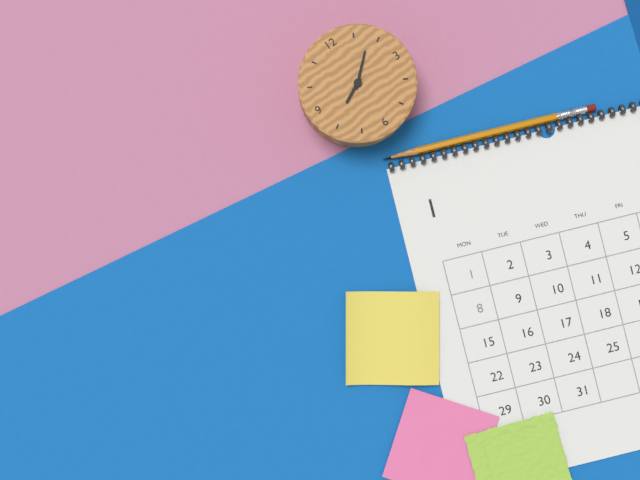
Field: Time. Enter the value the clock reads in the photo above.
8:08
